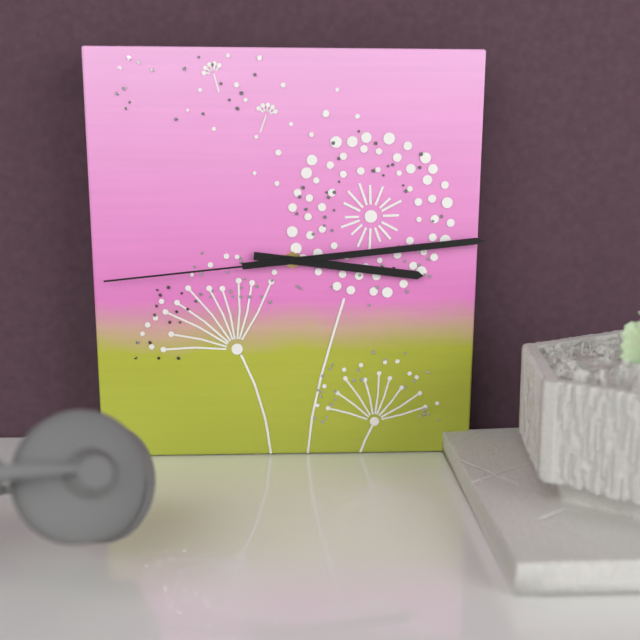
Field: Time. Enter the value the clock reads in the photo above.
3:14:44
